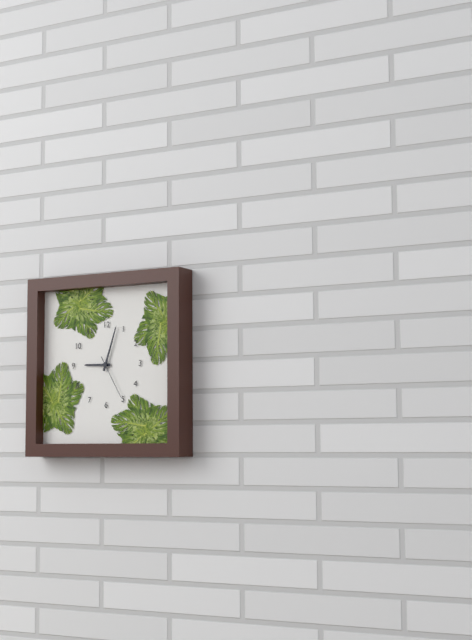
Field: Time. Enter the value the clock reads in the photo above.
9:03
